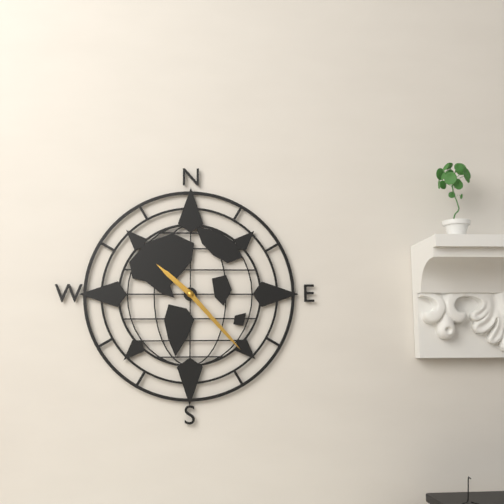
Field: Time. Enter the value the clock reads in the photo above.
10:23
